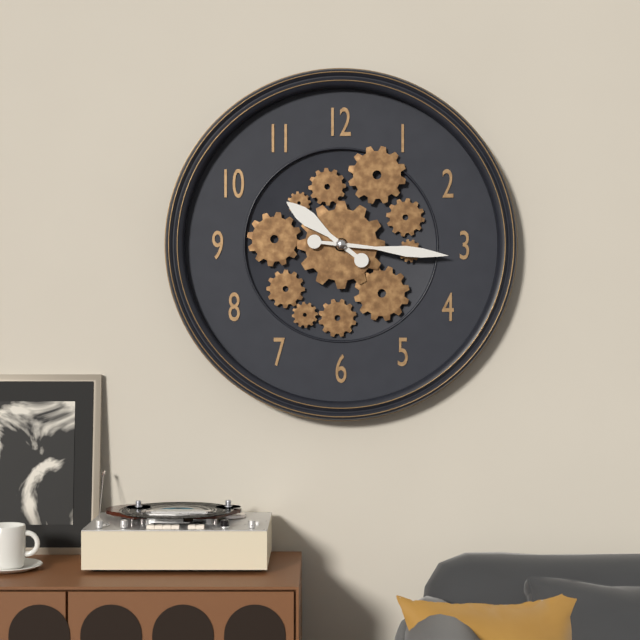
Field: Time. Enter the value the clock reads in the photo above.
10:16
